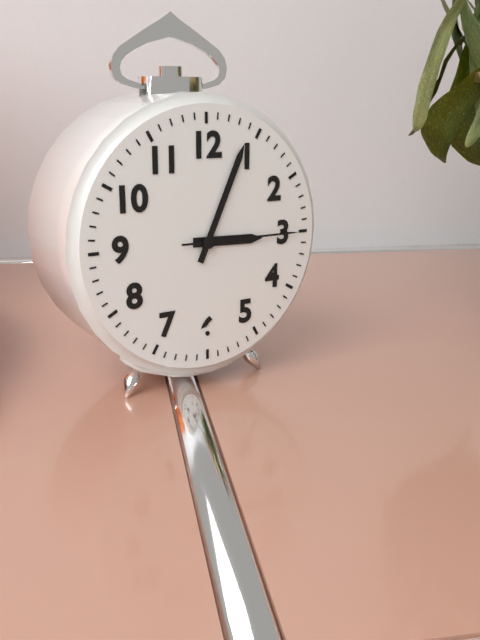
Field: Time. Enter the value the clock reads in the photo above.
3:04:15
